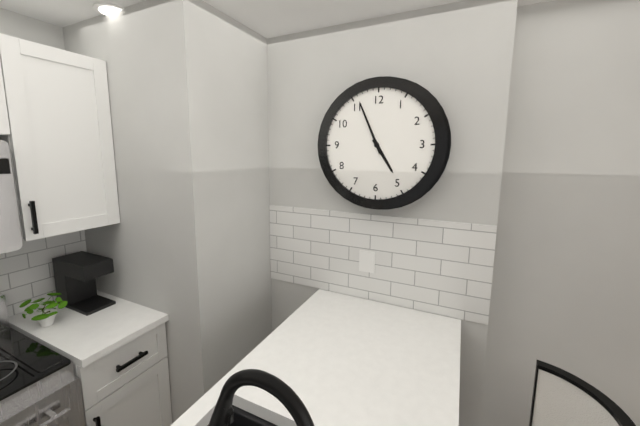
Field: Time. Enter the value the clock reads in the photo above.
4:56
